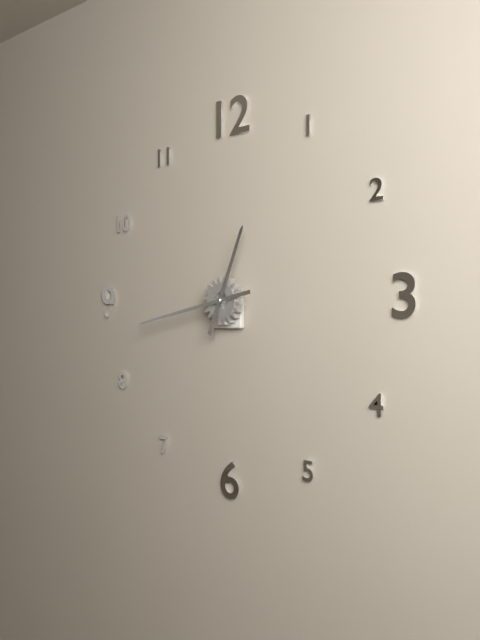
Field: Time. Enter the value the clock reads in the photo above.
12:43
